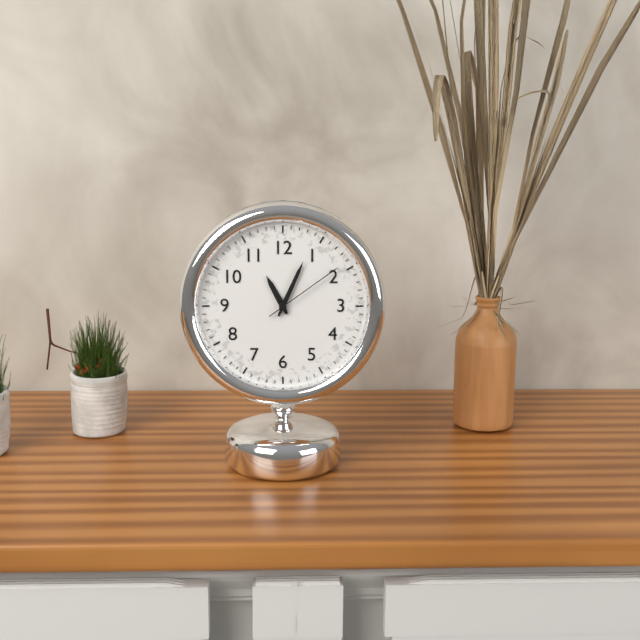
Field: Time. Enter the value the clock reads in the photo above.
11:04:09
